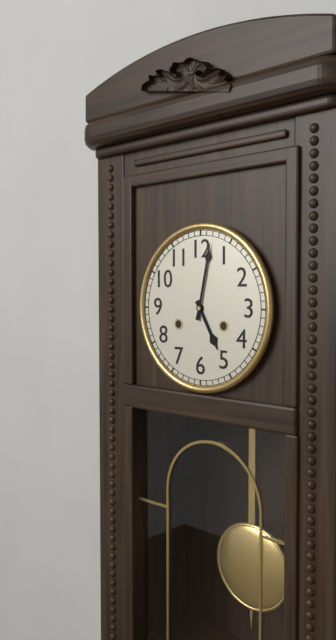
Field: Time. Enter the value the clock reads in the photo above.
5:02
